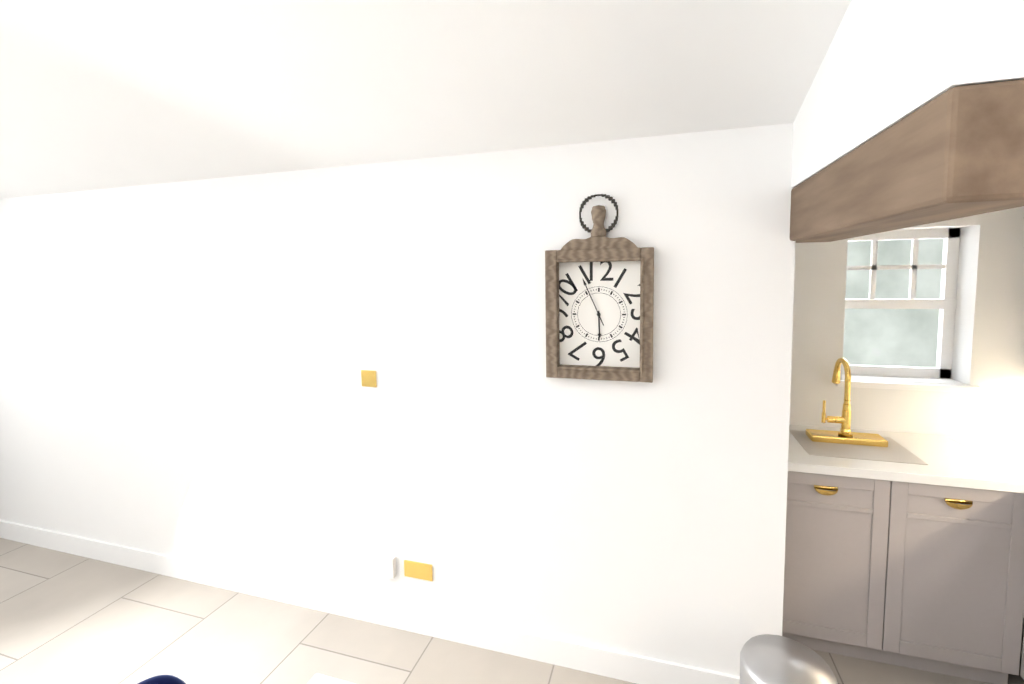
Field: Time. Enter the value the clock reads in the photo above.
5:56
